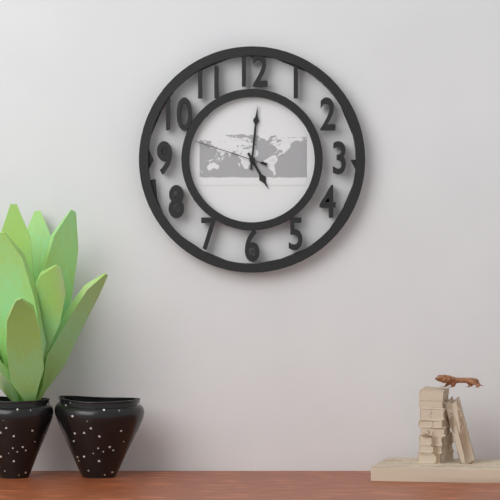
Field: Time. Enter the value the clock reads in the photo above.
5:01:48
